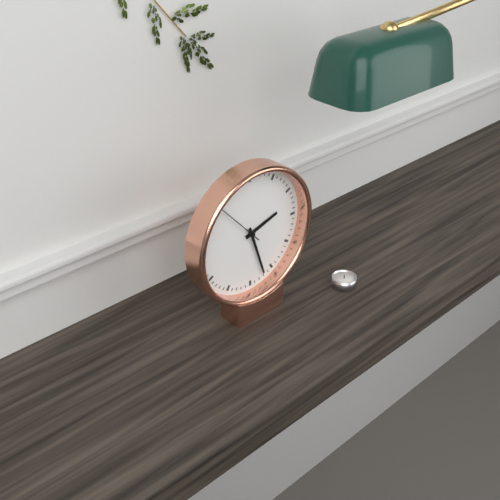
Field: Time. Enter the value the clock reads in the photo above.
2:27
